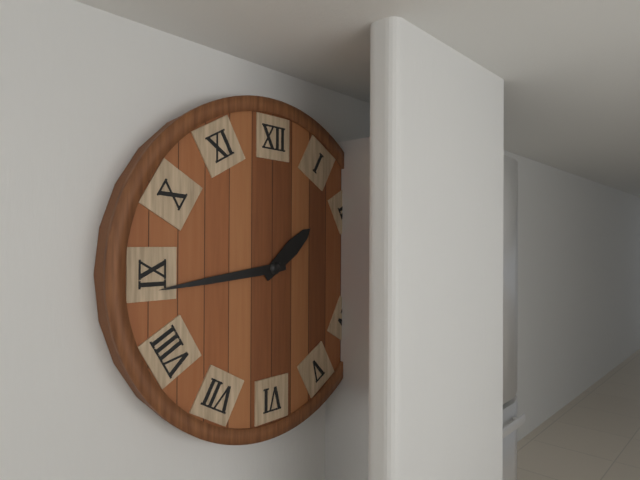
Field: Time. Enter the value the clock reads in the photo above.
1:44
